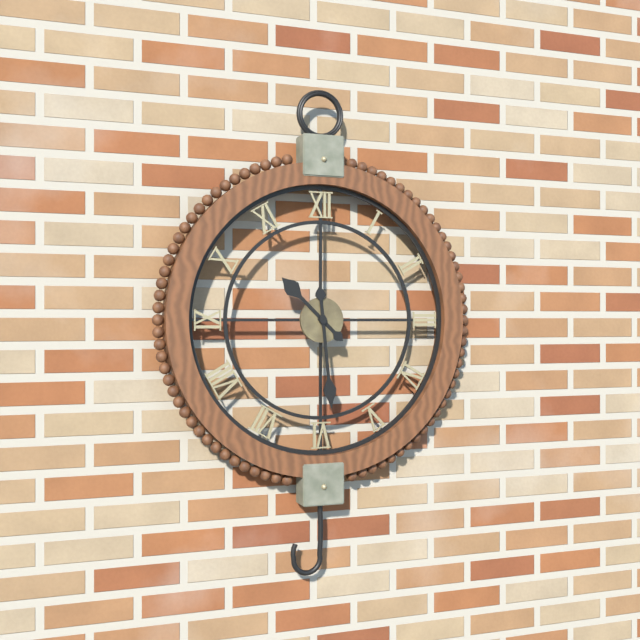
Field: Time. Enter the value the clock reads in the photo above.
10:29
